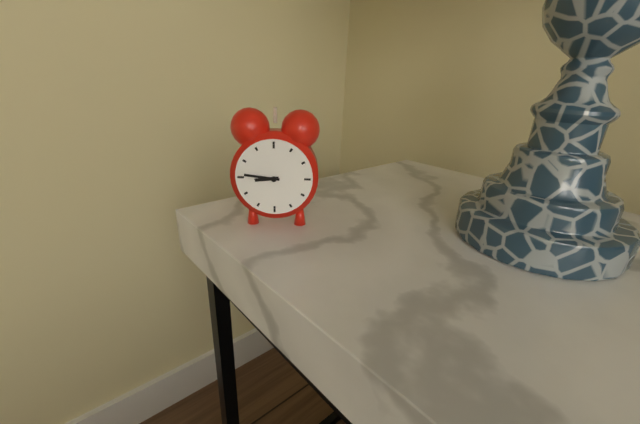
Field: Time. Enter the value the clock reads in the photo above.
8:46
